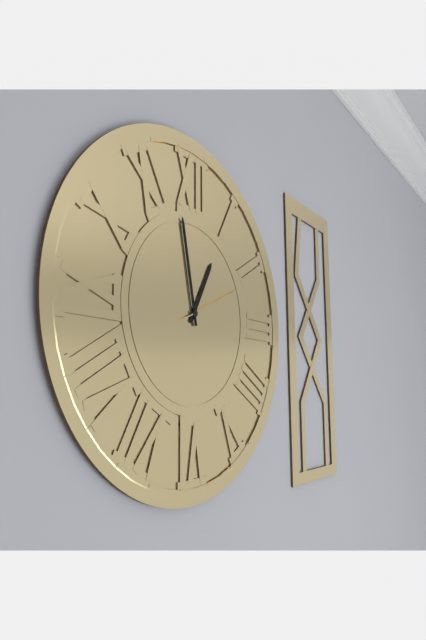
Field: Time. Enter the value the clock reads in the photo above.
12:58:11
